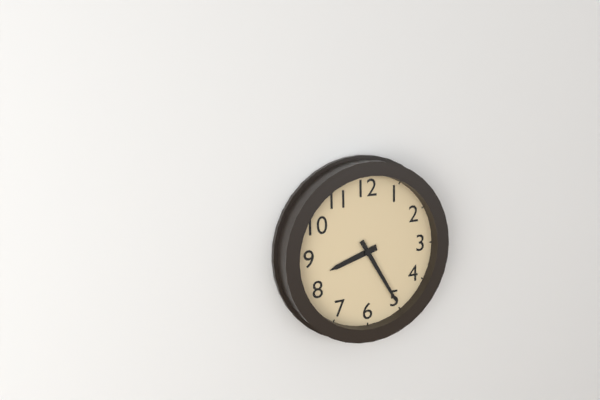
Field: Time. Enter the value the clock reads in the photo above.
8:25
